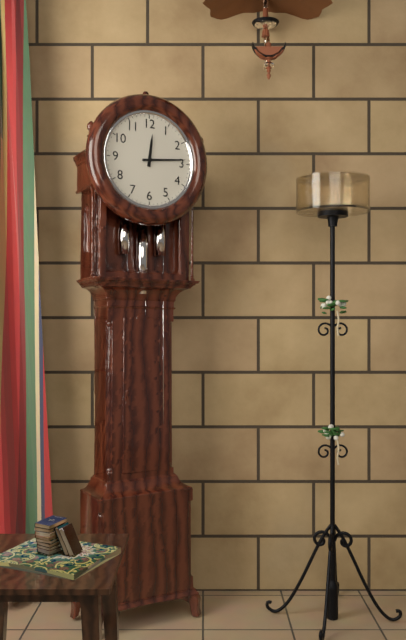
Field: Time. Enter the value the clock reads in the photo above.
12:14
